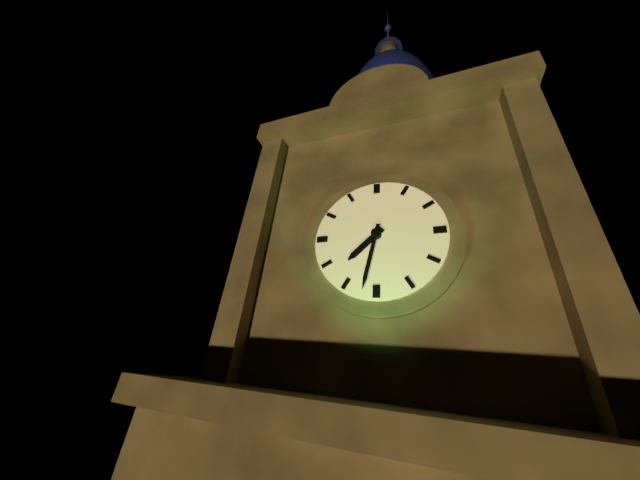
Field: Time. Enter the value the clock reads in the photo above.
7:32
